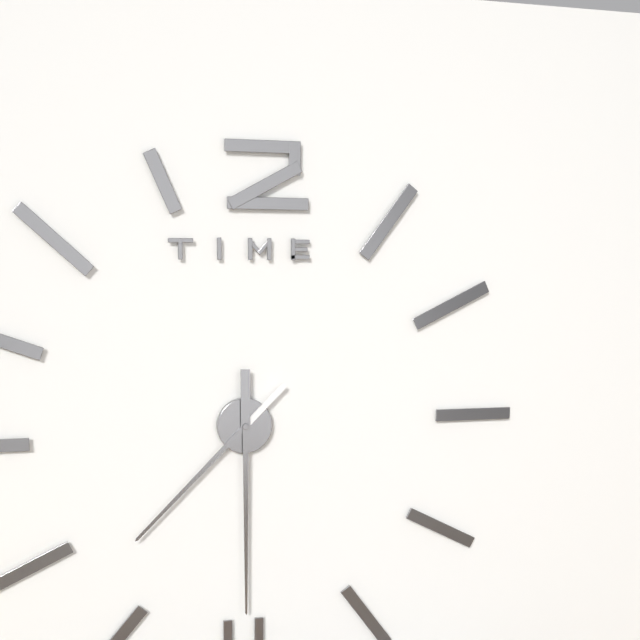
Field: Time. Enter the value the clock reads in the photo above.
7:30
